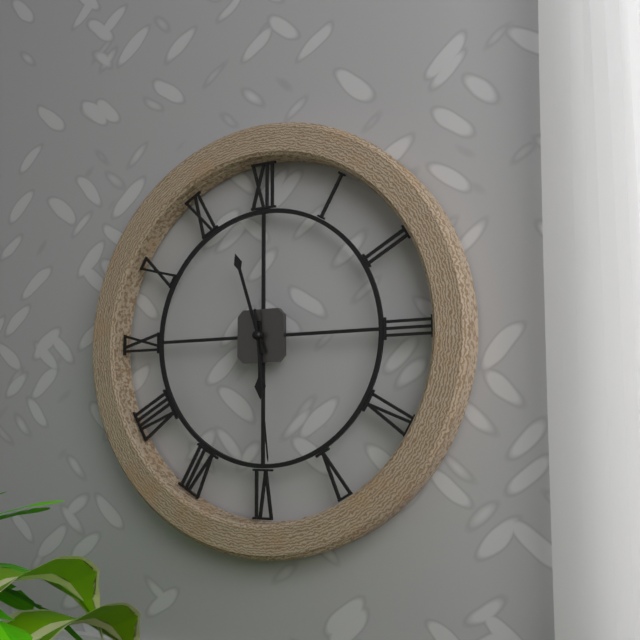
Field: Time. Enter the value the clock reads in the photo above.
5:57:29
